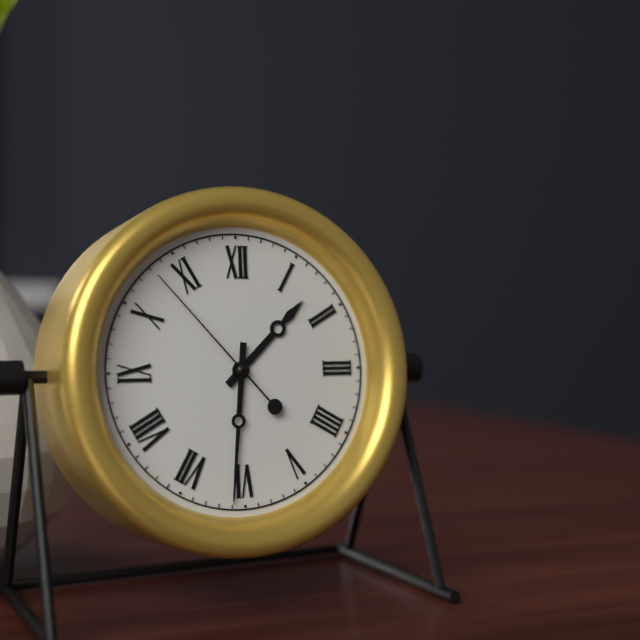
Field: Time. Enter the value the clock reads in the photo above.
1:31:53
